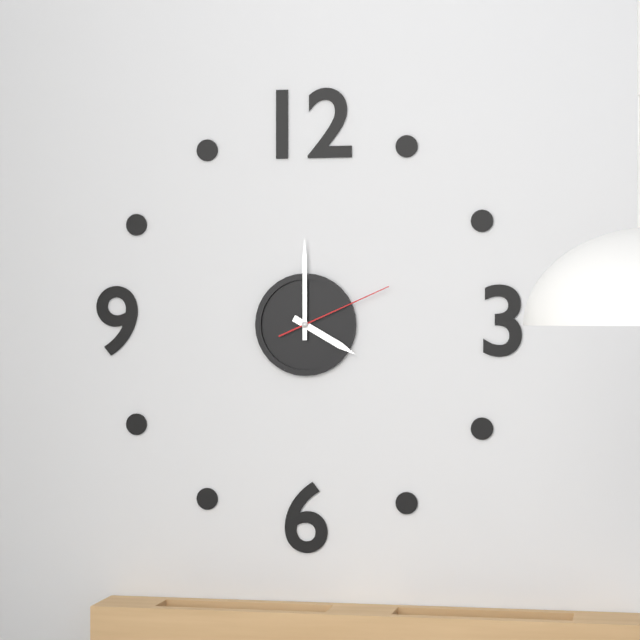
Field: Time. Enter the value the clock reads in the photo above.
4:00:11
